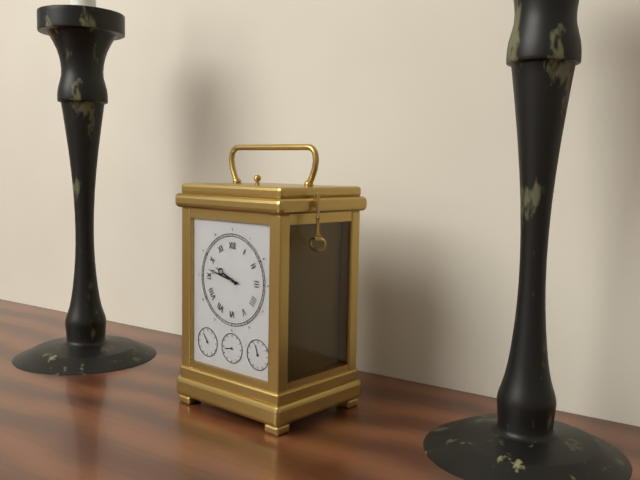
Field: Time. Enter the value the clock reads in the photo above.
9:47
